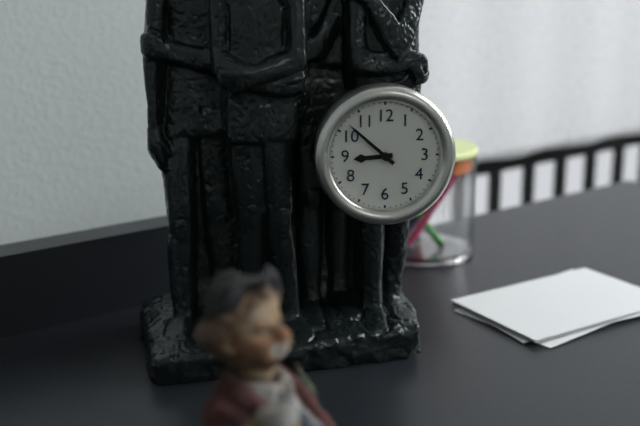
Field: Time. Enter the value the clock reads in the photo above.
8:52
